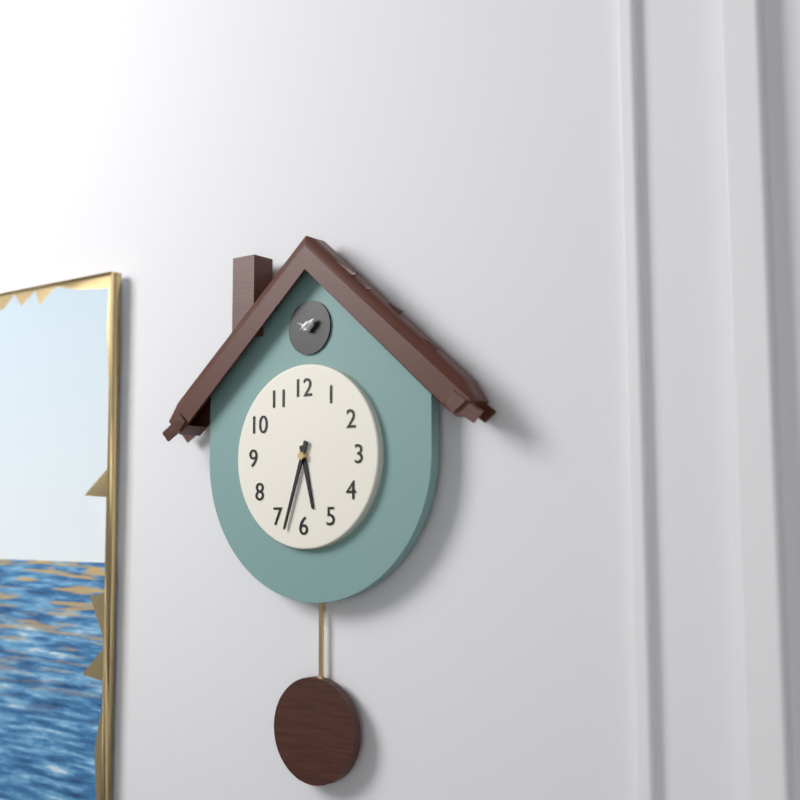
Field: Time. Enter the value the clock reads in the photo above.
5:33
